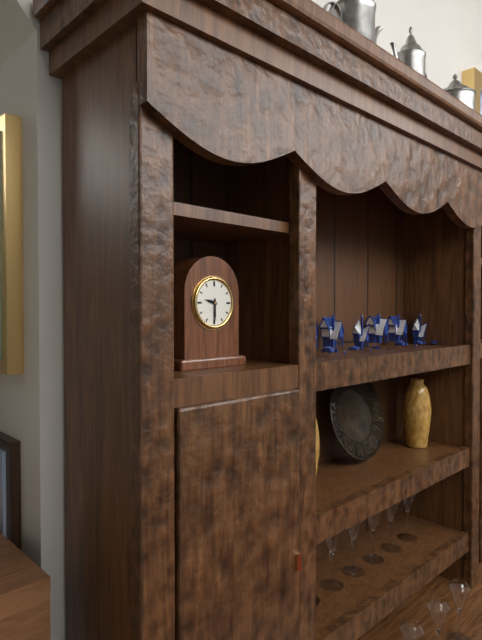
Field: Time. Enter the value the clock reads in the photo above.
9:30
